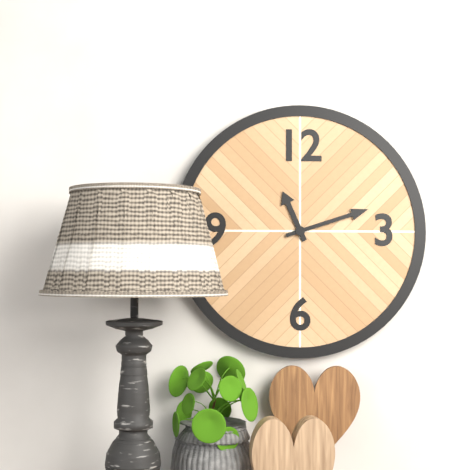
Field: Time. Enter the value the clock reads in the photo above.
11:12
